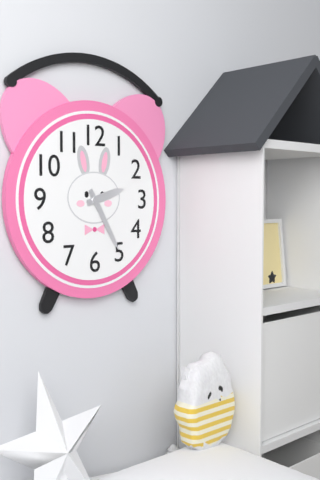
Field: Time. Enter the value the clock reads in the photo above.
2:25
